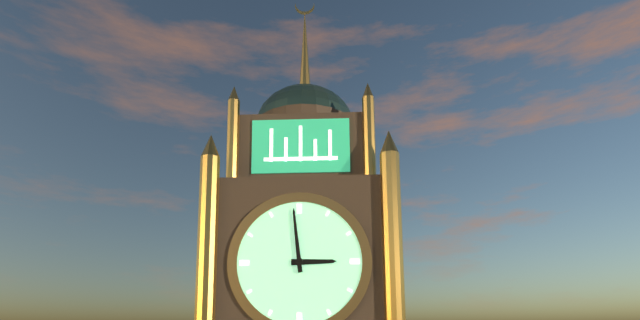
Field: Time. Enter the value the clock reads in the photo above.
2:59
